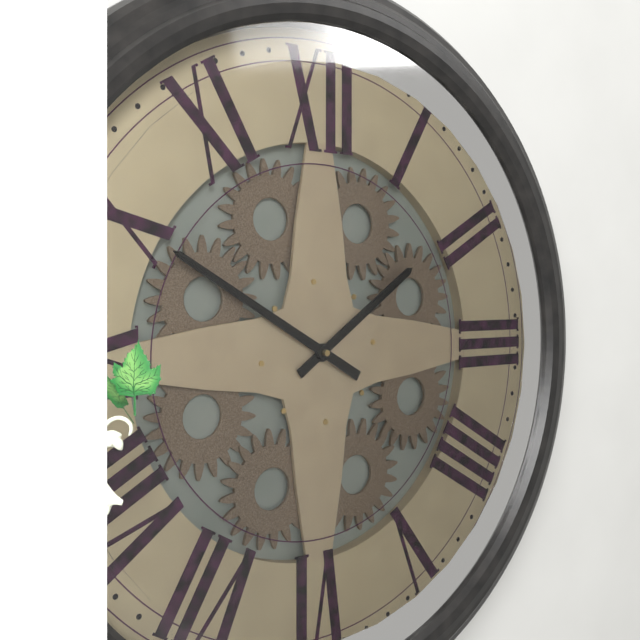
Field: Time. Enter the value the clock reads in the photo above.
1:50
